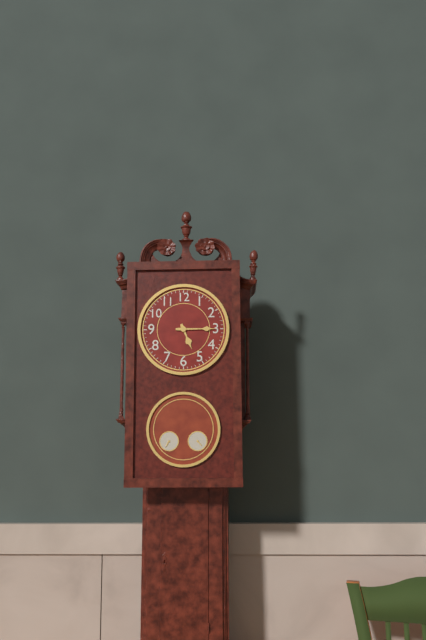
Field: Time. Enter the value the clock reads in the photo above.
5:15
